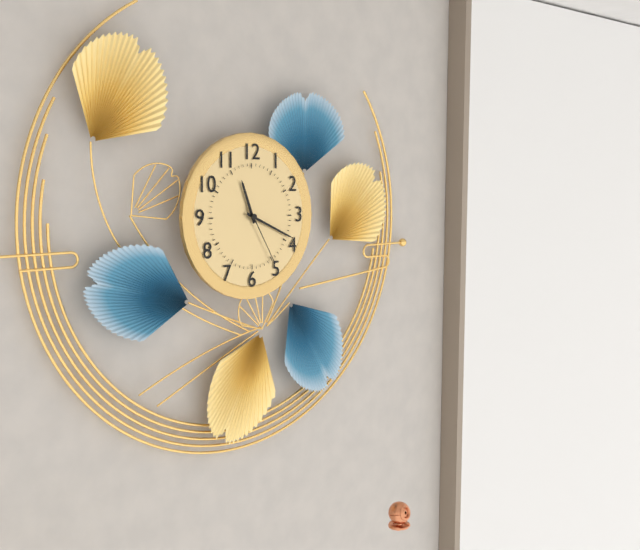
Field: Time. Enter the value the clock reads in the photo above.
11:19:25
